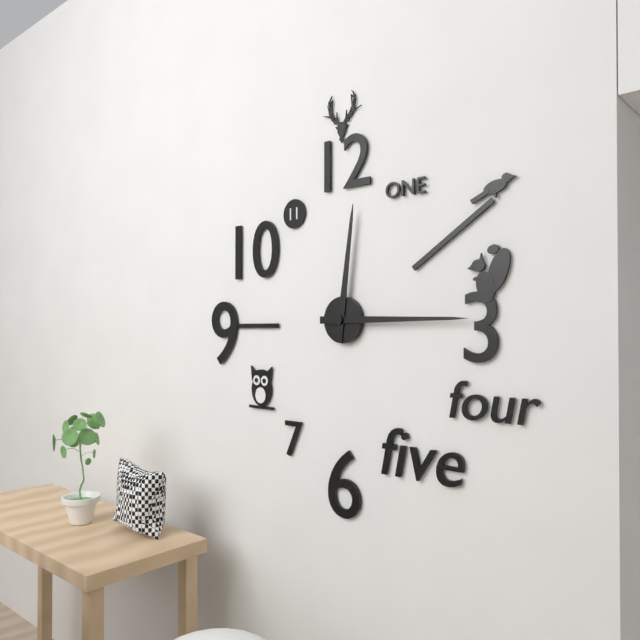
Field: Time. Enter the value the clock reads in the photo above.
12:15
